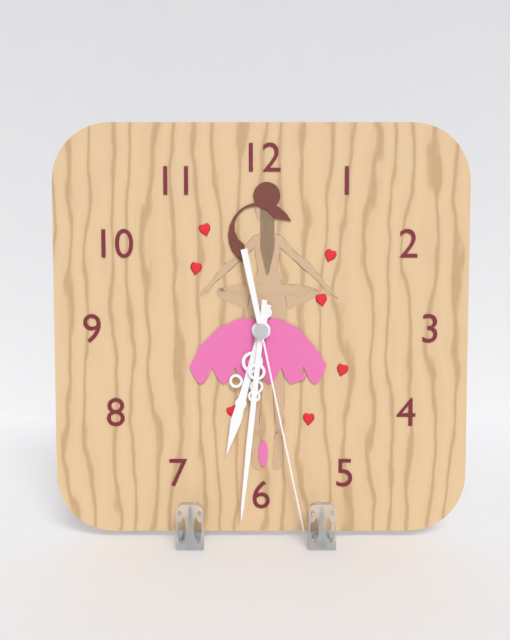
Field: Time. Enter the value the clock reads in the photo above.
6:31:28
